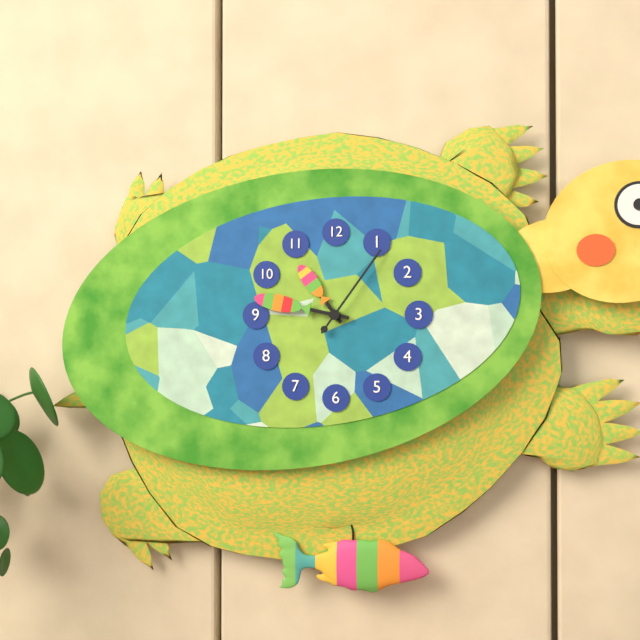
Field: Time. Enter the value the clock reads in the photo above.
10:47:06
